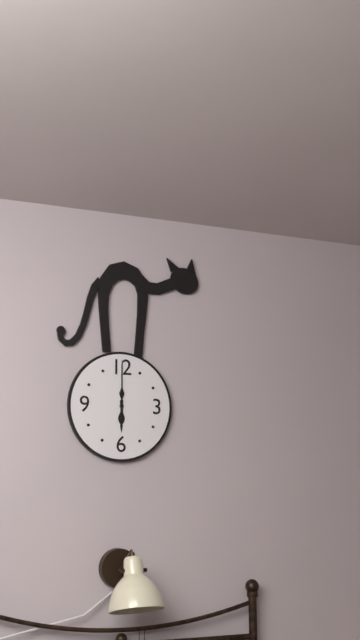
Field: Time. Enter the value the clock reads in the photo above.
6:00
